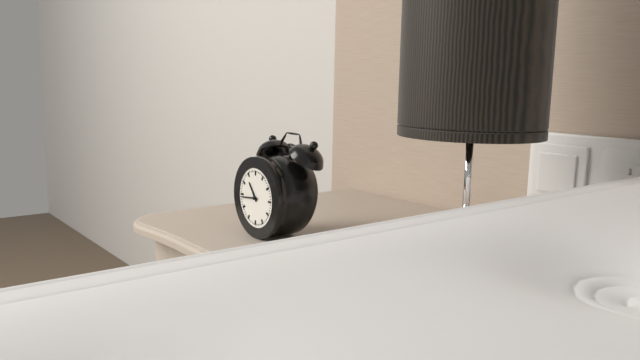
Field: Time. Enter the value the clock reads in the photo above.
10:44
